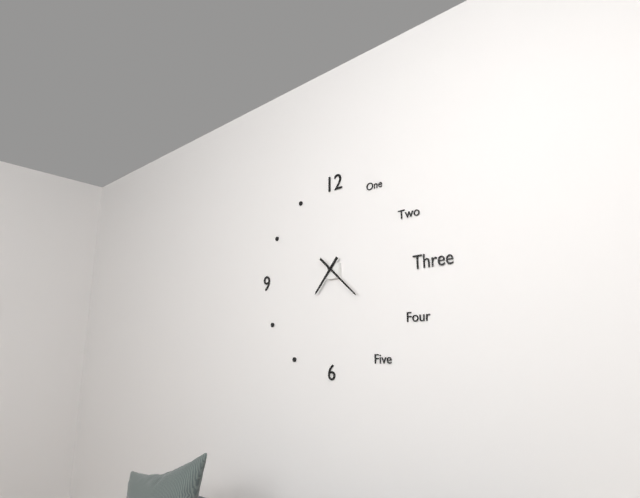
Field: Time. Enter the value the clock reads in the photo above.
7:22
